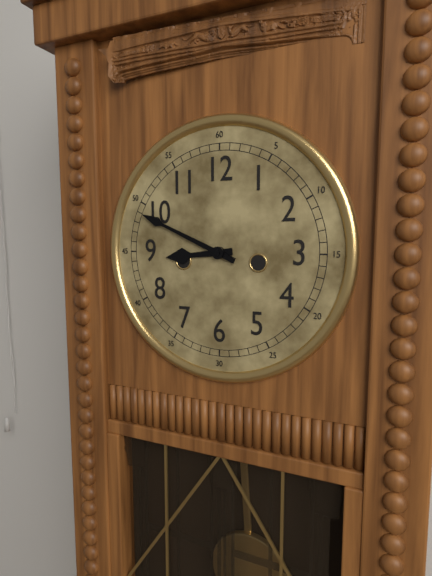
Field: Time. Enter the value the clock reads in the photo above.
8:49
